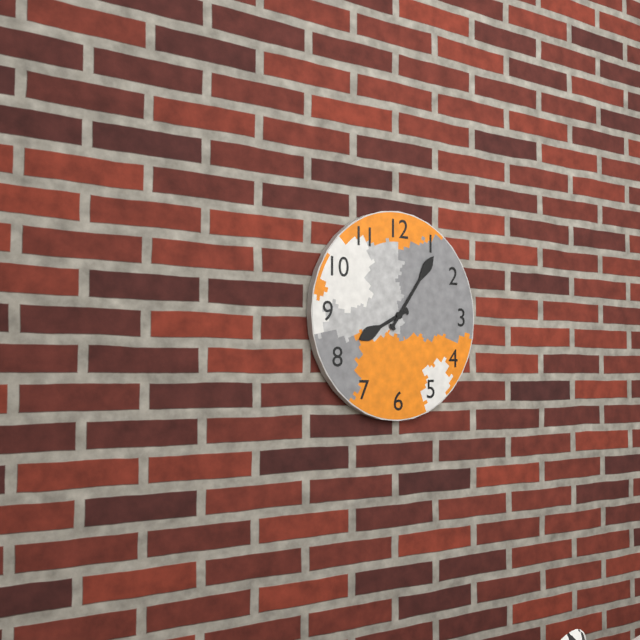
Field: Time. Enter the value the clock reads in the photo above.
8:06
